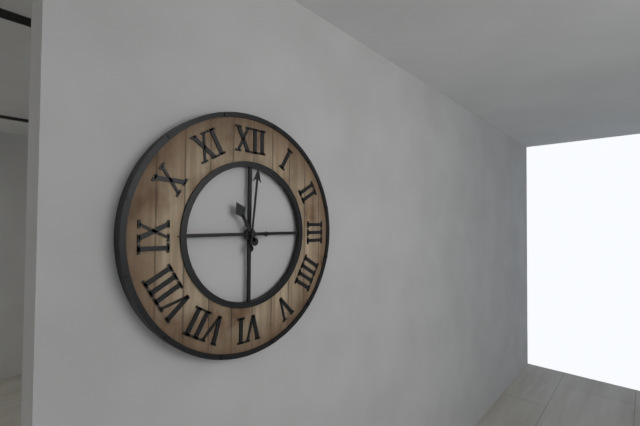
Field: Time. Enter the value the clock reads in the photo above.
11:01:45
